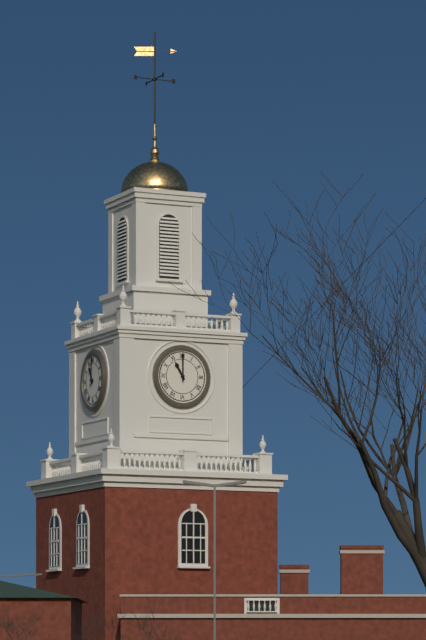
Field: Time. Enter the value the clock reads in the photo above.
11:00
